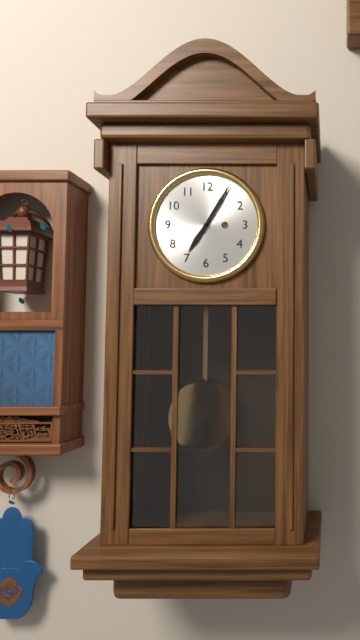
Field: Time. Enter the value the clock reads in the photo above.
7:05
